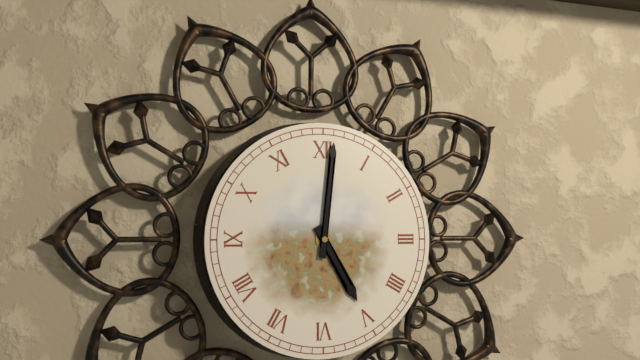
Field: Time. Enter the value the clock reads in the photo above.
5:01
